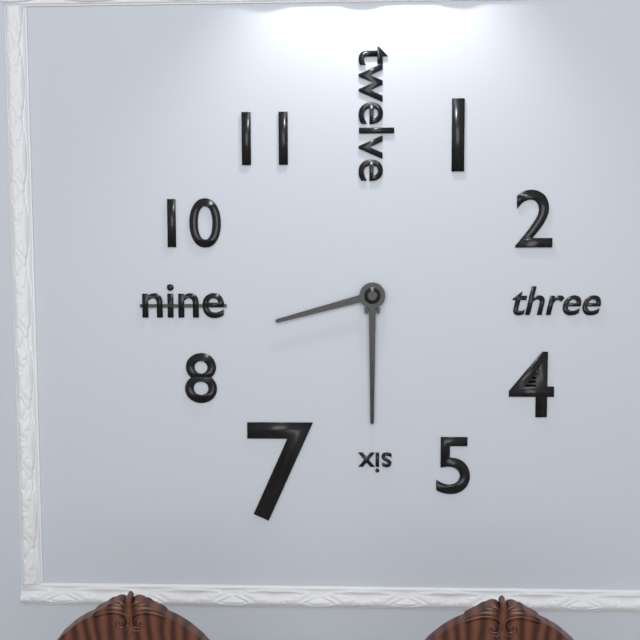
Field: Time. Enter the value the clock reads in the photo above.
8:30
